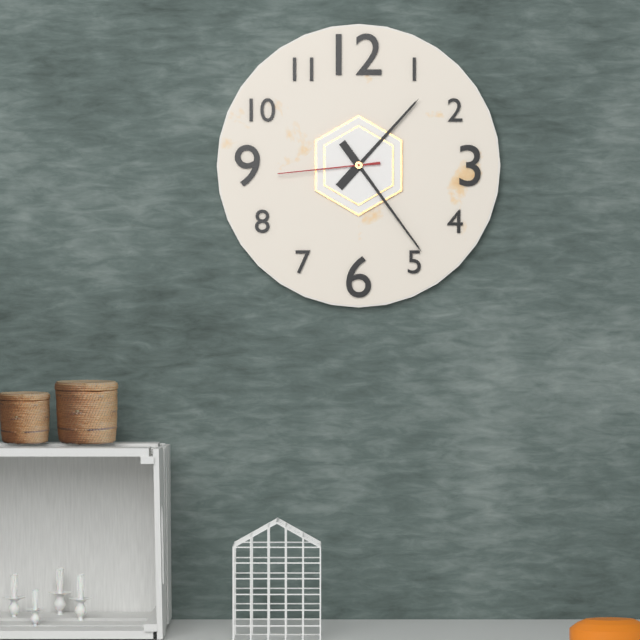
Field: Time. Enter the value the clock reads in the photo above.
1:24:44
